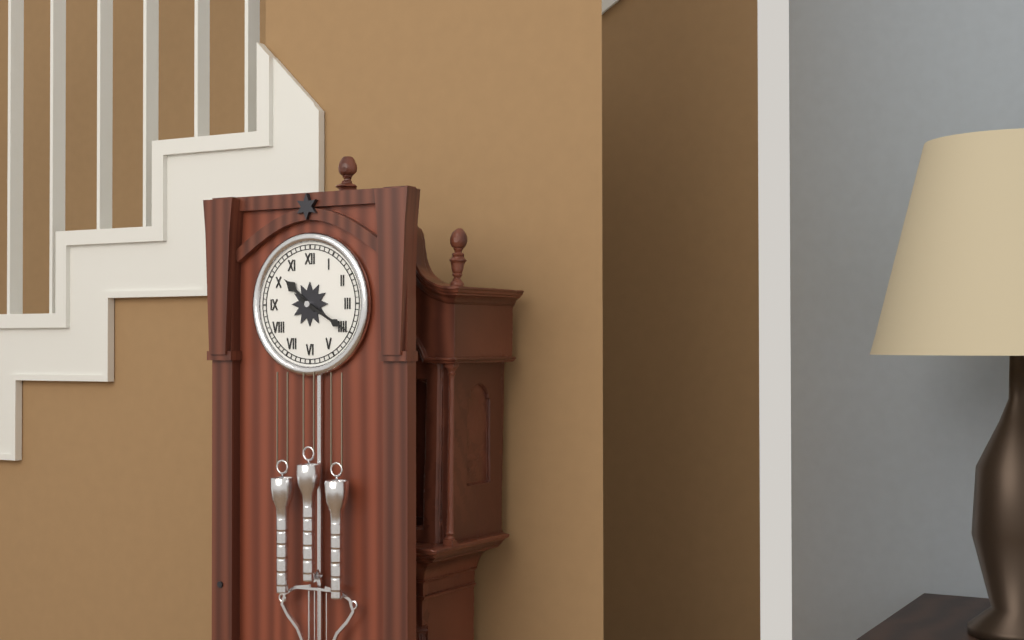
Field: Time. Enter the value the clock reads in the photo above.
10:20
